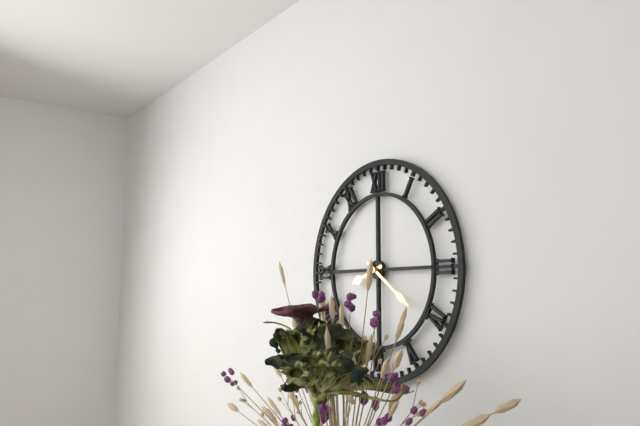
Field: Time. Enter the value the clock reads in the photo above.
8:21
